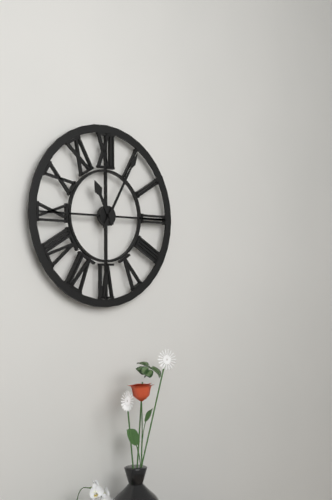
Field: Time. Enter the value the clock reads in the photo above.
11:05
